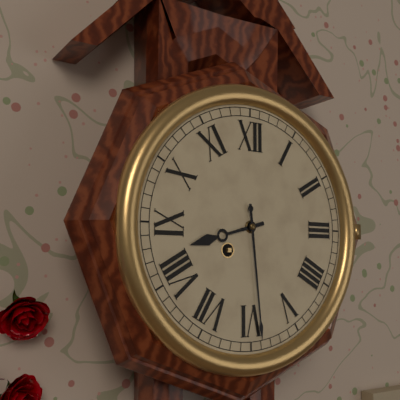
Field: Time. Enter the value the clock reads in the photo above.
8:29
